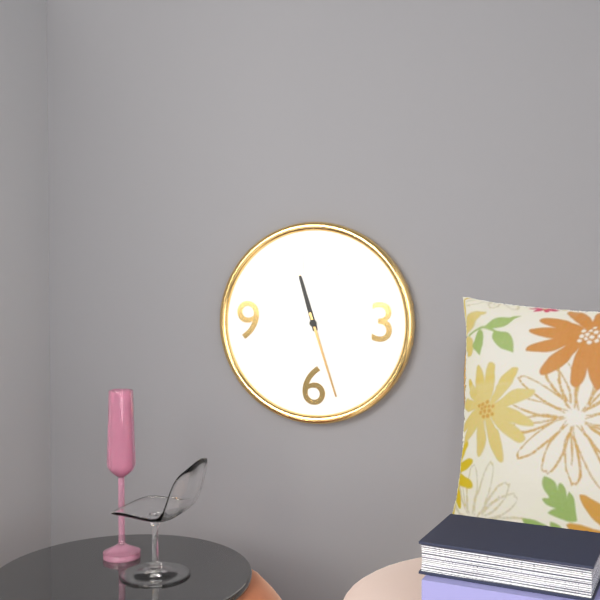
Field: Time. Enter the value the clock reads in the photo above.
11:27
